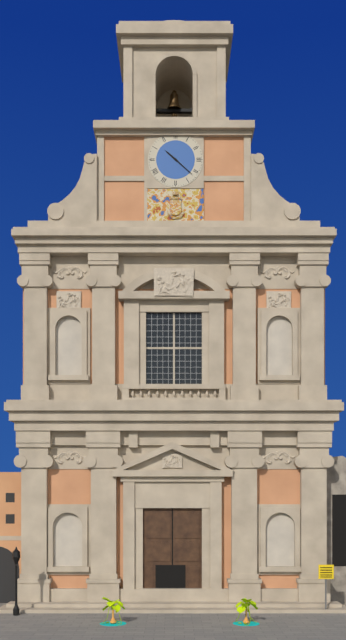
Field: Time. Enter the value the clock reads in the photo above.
10:22
